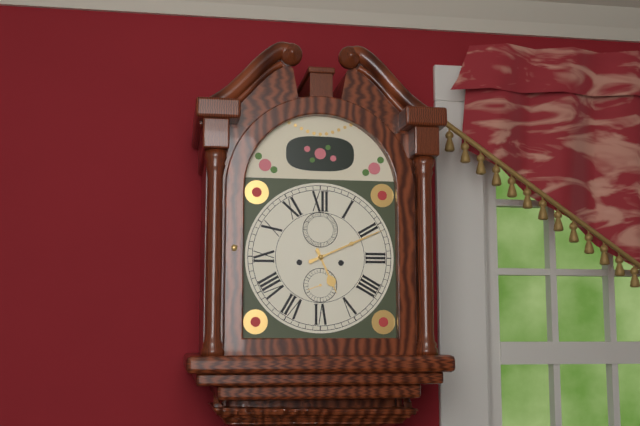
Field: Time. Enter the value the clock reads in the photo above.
5:11
